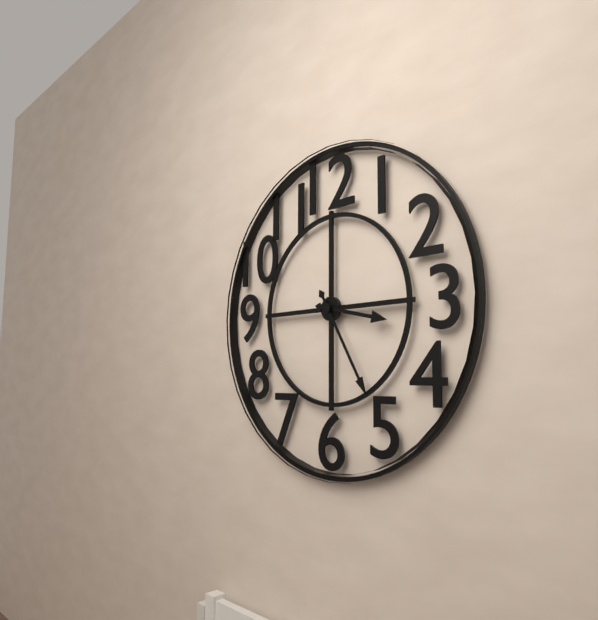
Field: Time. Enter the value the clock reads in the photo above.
3:25
